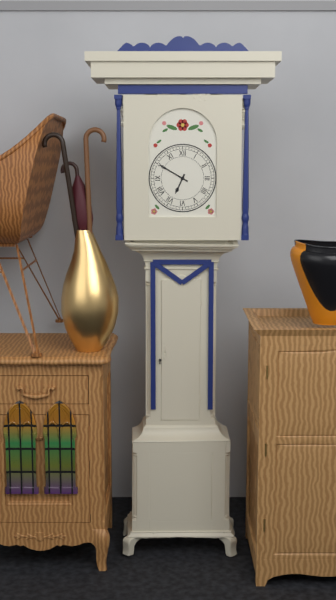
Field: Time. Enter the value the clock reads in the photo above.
6:50
